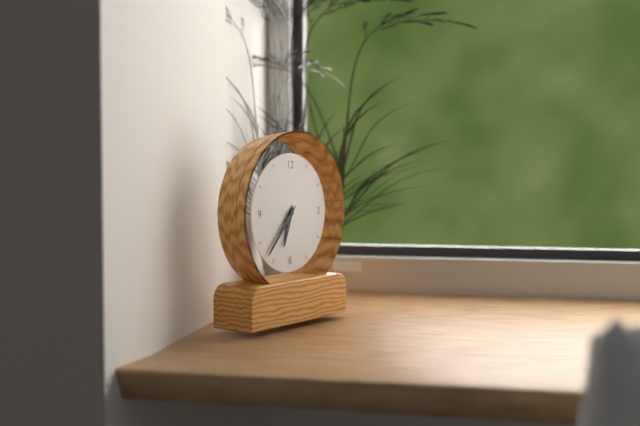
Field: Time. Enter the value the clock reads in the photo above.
6:37
